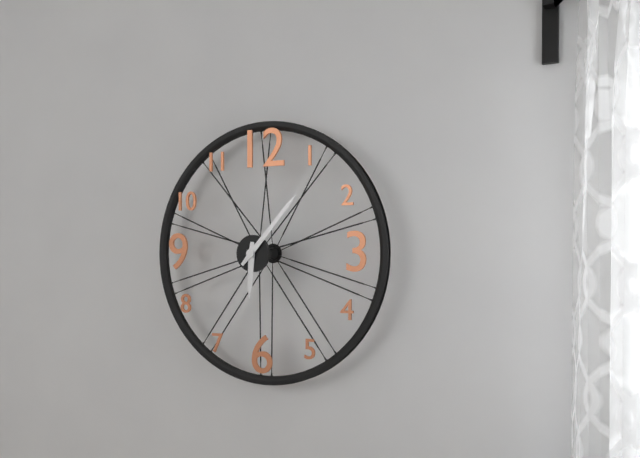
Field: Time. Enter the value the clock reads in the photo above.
6:07
